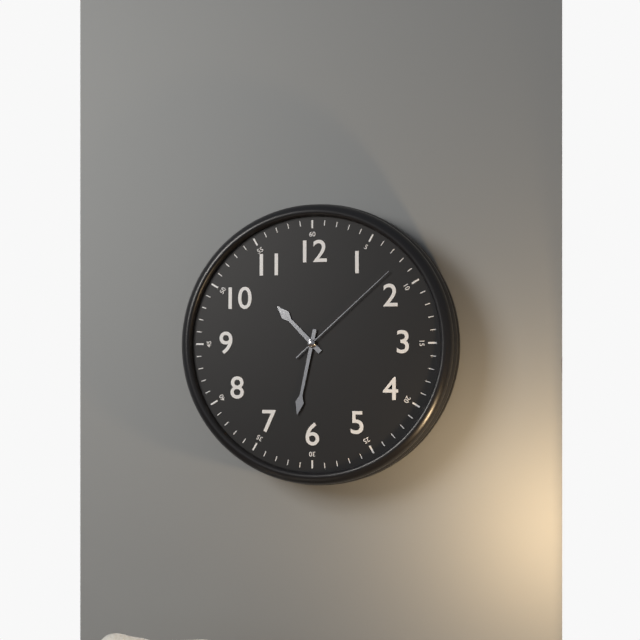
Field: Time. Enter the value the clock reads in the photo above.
10:32:08
